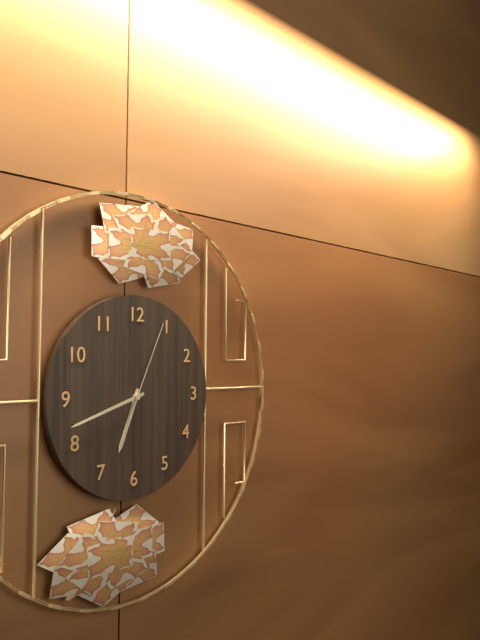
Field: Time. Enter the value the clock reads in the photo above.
6:42:04
